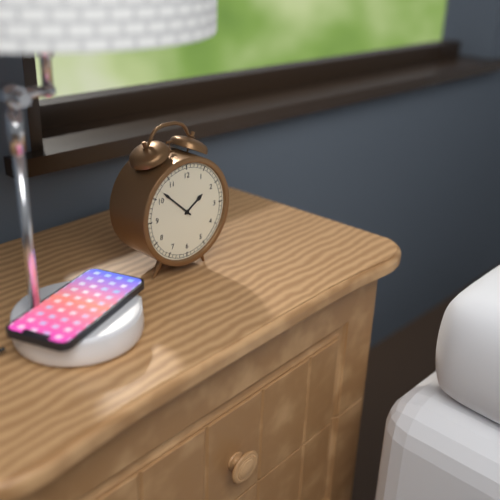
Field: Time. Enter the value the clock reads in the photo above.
1:52
